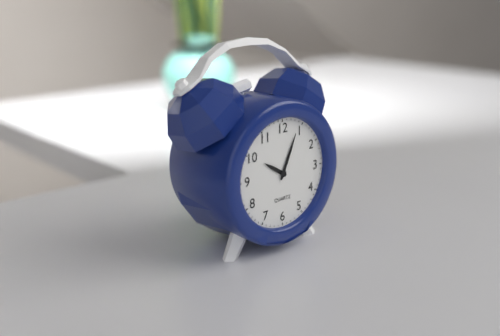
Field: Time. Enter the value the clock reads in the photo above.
10:04
